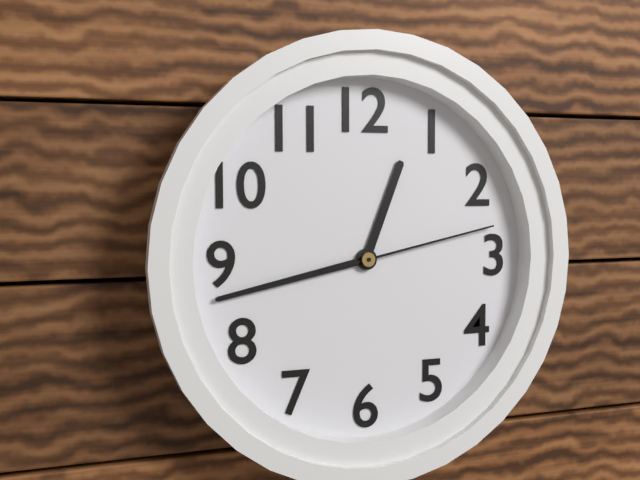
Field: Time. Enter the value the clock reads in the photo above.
12:43:13
